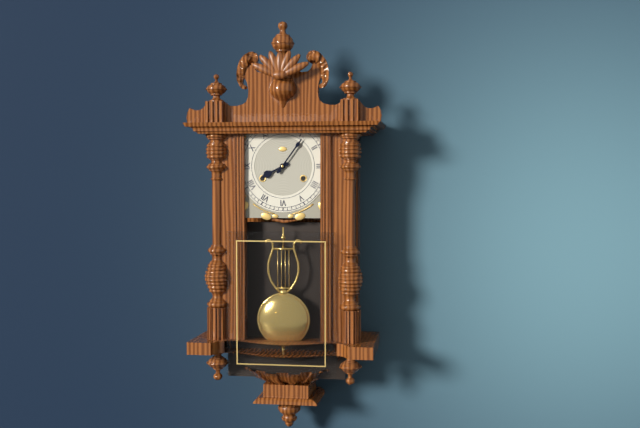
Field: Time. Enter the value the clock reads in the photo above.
8:06
